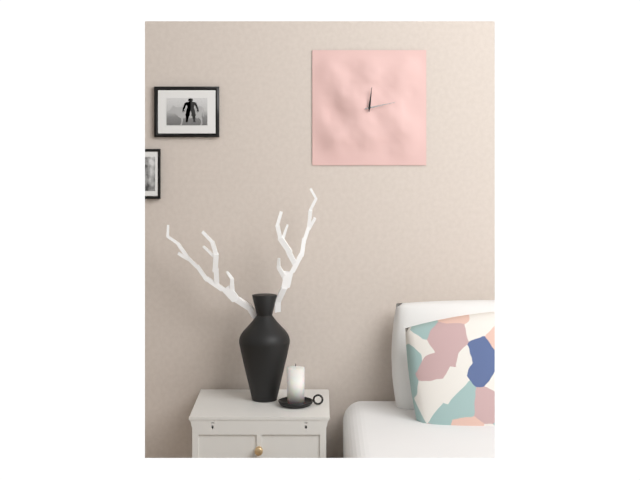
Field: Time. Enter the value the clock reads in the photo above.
12:13
